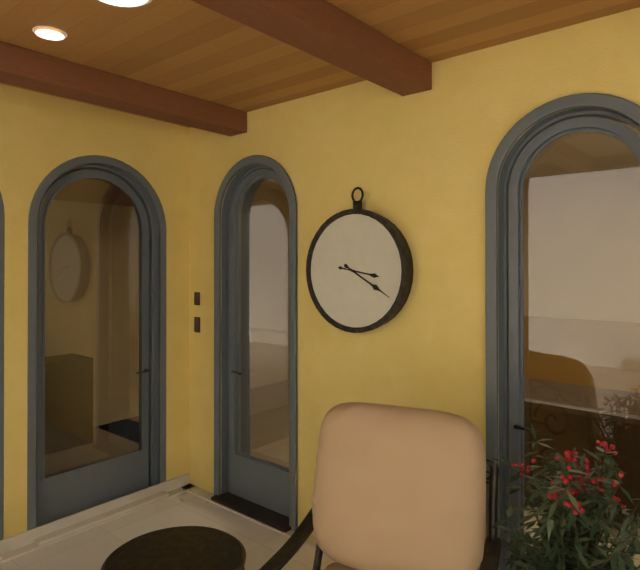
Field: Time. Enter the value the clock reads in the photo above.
3:20
